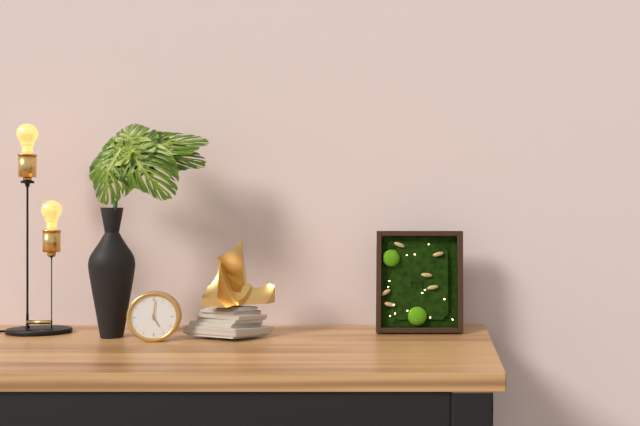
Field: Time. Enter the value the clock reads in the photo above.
5:01
